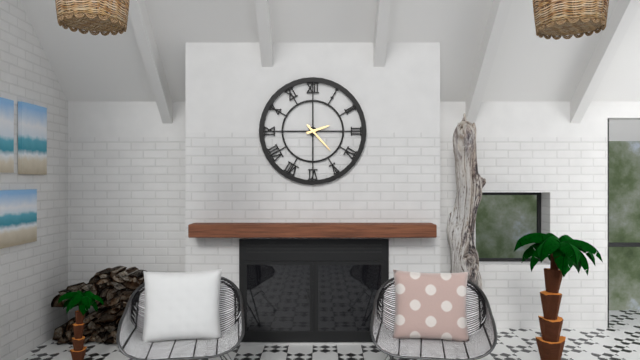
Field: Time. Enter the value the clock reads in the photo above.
2:23
